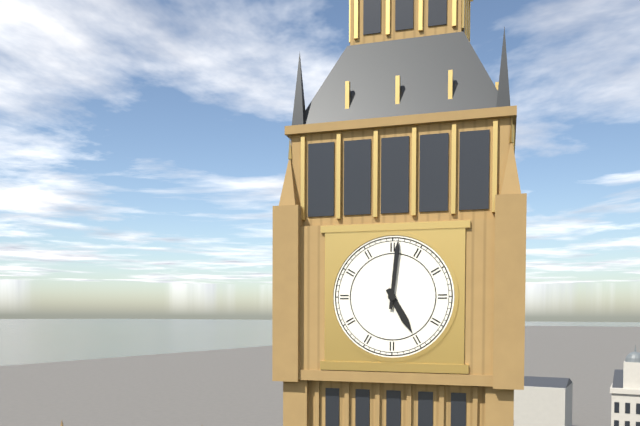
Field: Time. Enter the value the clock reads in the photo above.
5:01
